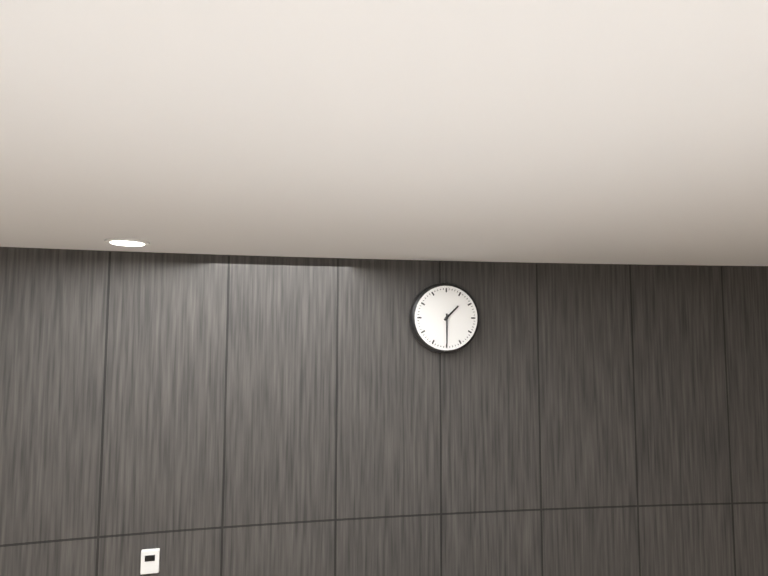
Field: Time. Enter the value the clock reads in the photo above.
1:30
